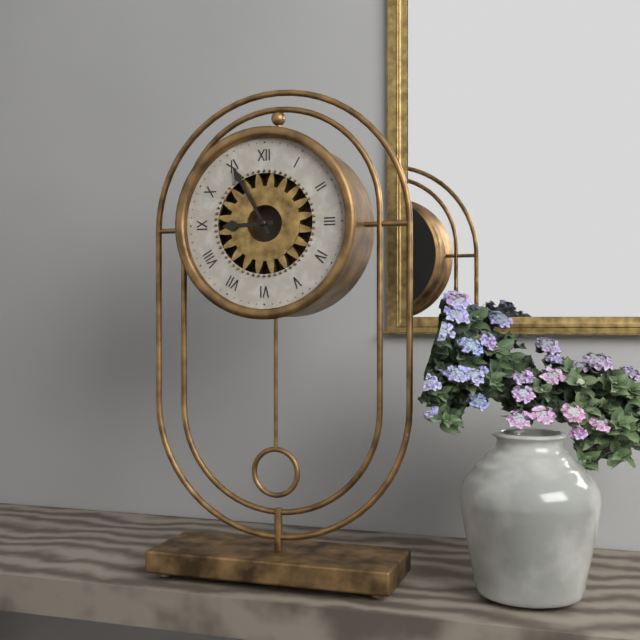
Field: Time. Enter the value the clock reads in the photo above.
8:55
